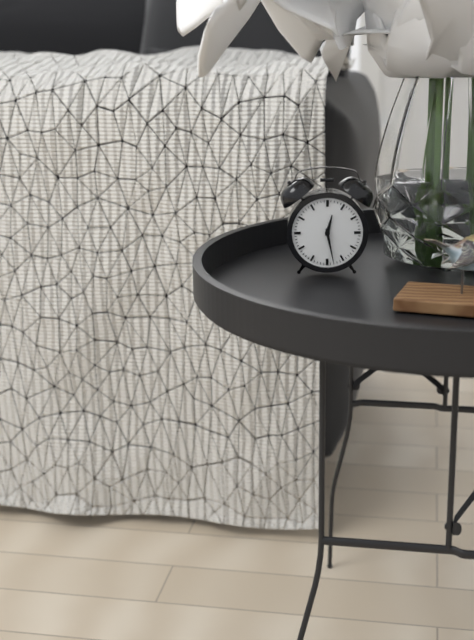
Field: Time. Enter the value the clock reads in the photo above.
12:28
